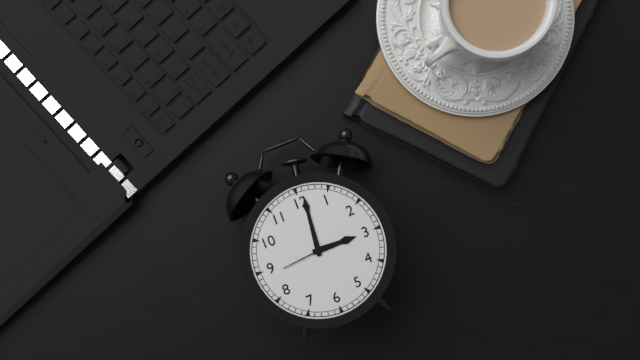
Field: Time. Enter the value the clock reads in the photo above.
3:01:44
